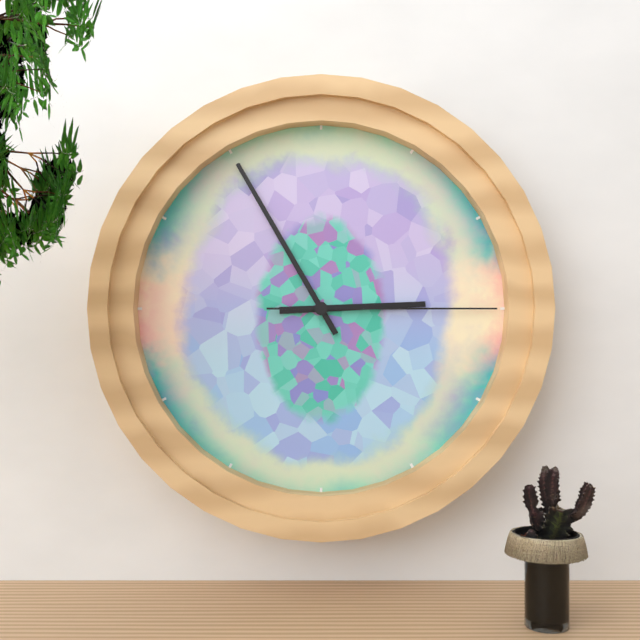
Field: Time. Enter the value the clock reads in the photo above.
2:55:15
